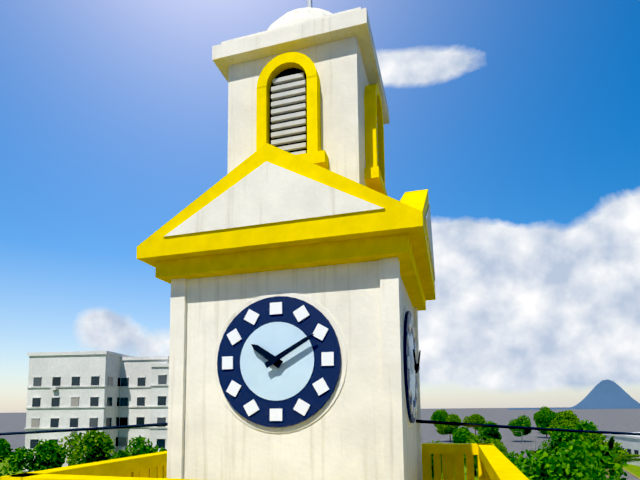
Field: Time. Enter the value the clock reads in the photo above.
10:10
